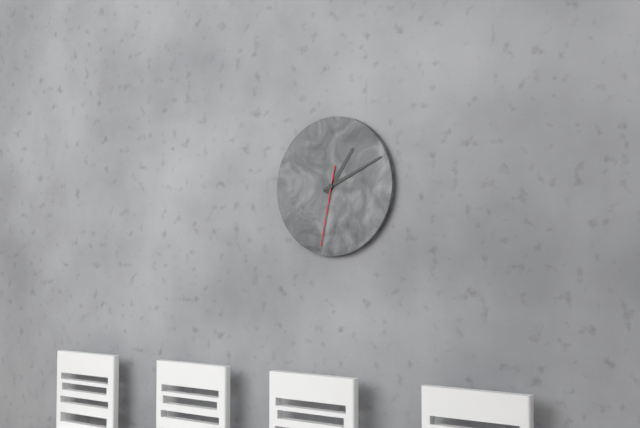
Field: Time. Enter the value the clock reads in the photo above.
1:11:32
